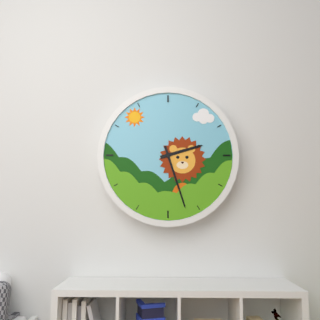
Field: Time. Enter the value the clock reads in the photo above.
2:27
